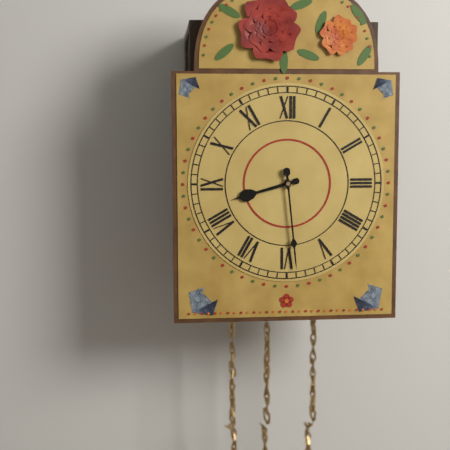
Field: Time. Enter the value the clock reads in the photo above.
8:29
